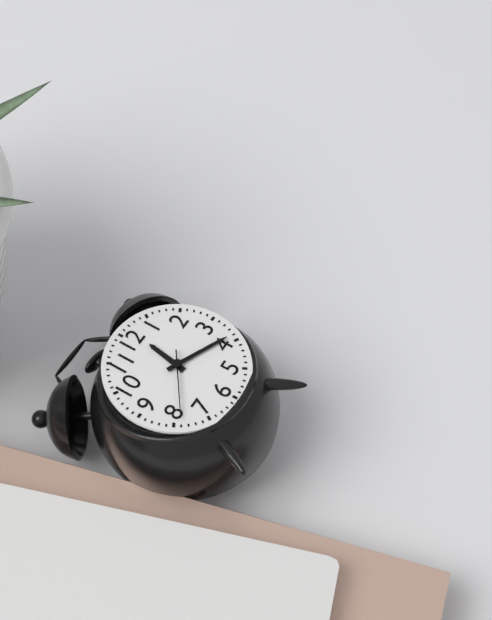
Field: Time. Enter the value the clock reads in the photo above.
12:19:39
